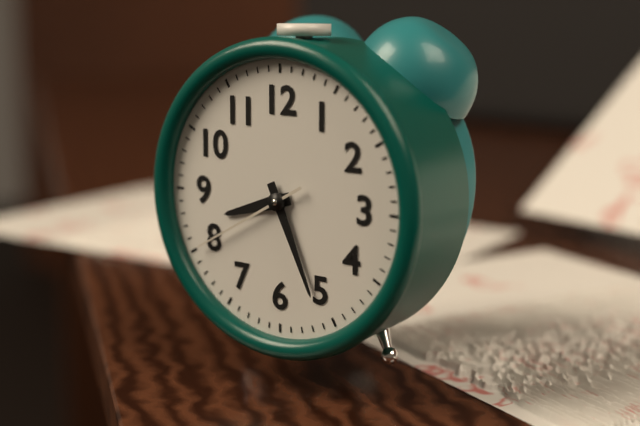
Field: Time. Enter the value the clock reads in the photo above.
8:26:40
